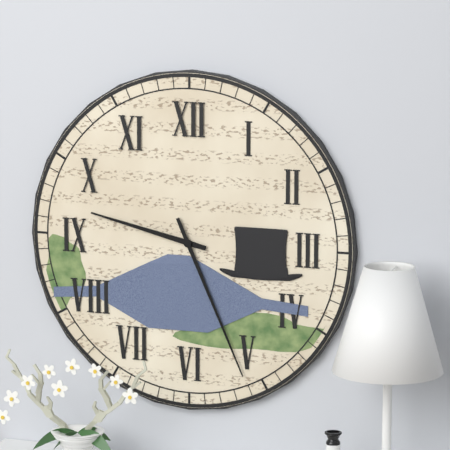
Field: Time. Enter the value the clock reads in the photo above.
9:26
